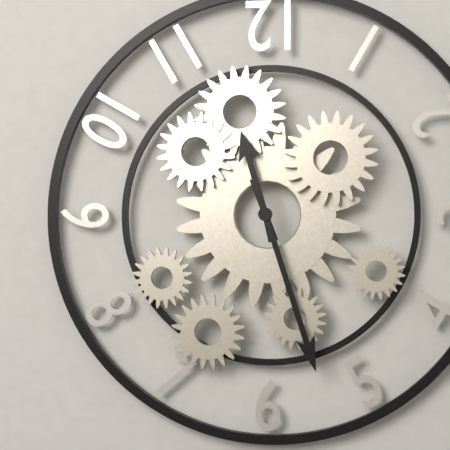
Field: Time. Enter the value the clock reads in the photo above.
11:27
